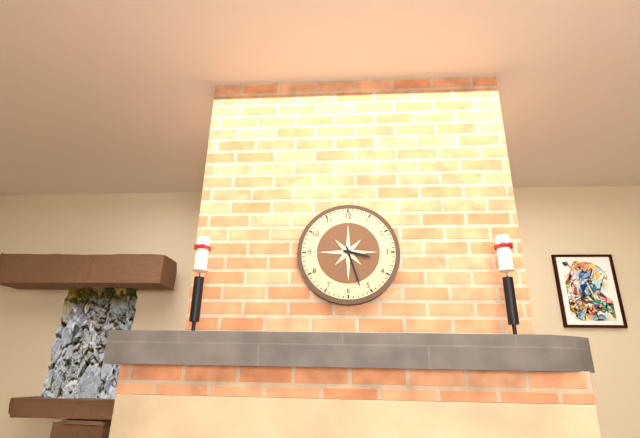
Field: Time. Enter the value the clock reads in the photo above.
3:27
